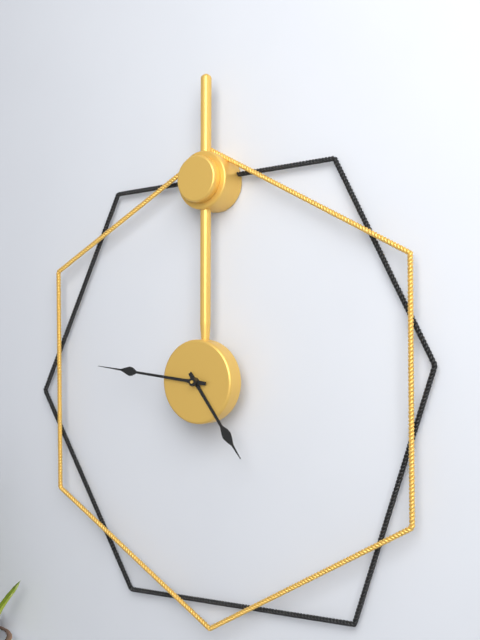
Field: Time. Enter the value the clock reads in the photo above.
4:46
